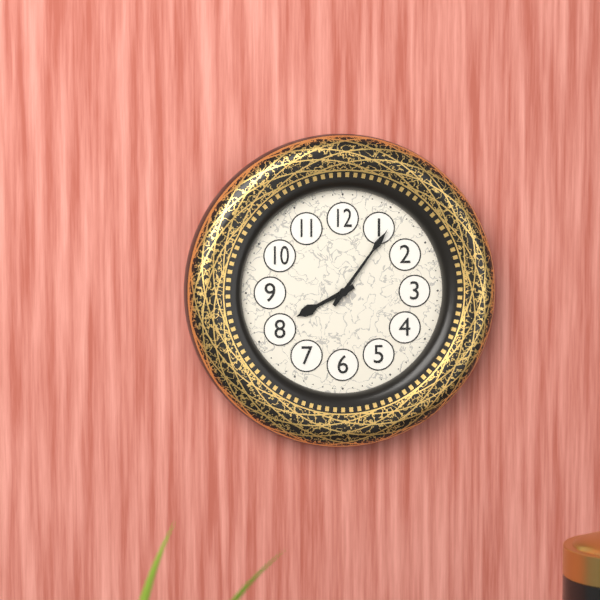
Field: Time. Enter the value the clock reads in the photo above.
8:06
